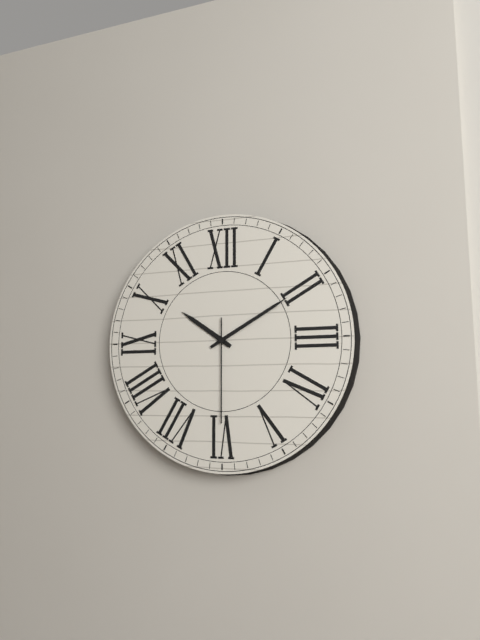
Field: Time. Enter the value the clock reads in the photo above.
10:10:30
